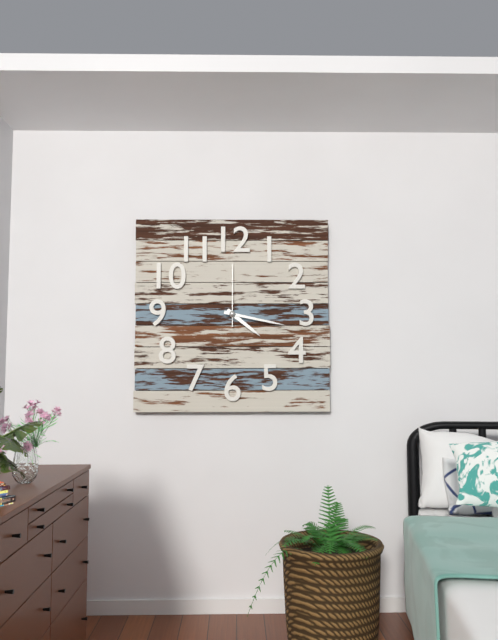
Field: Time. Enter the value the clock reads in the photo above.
4:17:00
